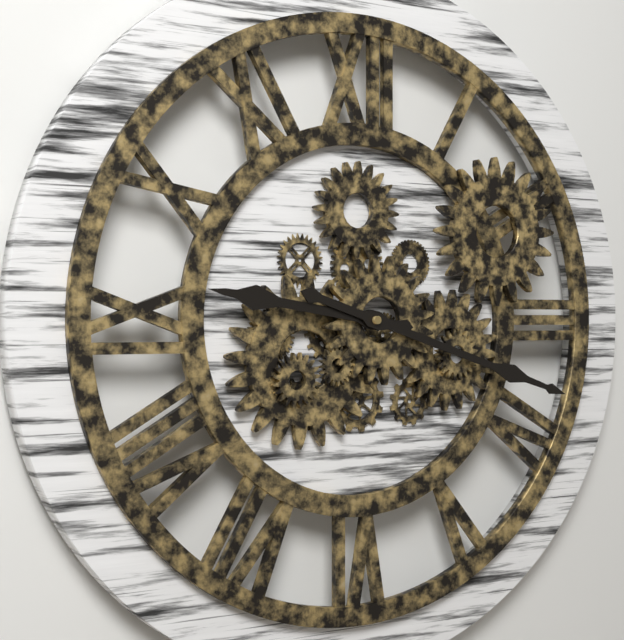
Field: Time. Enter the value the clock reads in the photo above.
9:18
